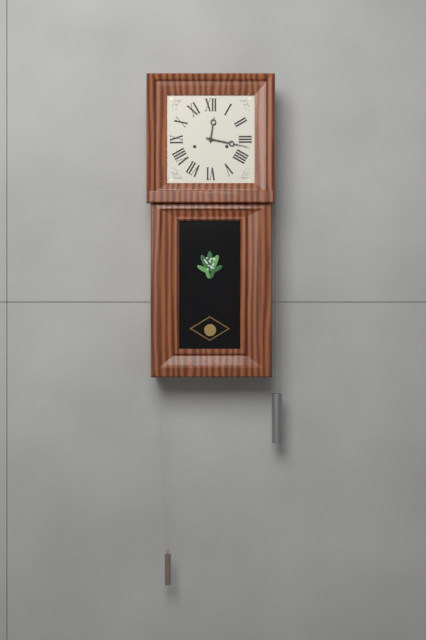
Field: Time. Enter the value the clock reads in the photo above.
12:17
